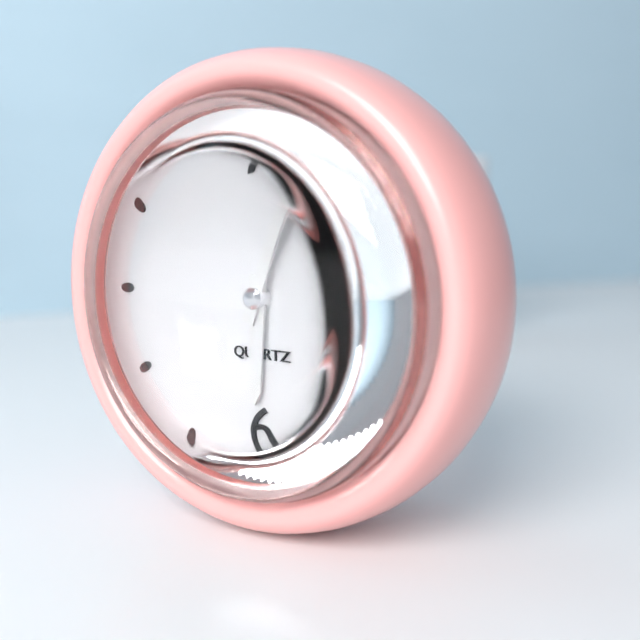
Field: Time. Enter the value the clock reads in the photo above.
6:03
